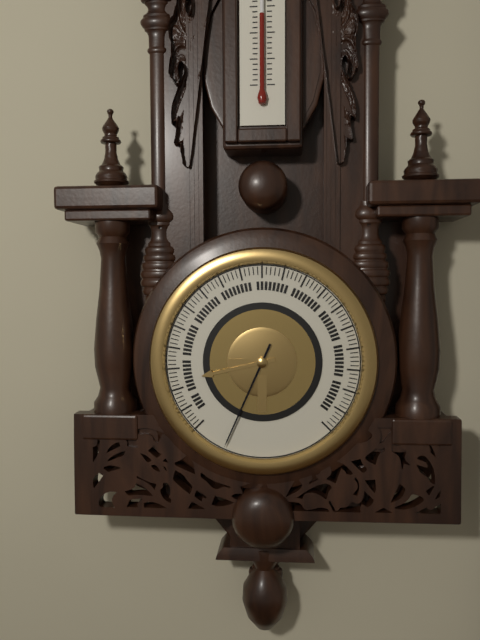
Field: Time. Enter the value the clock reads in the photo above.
8:34
